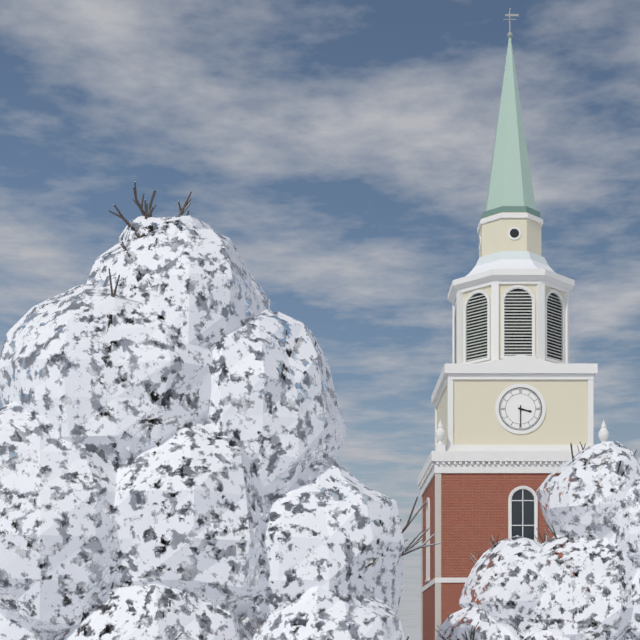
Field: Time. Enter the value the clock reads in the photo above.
3:30
